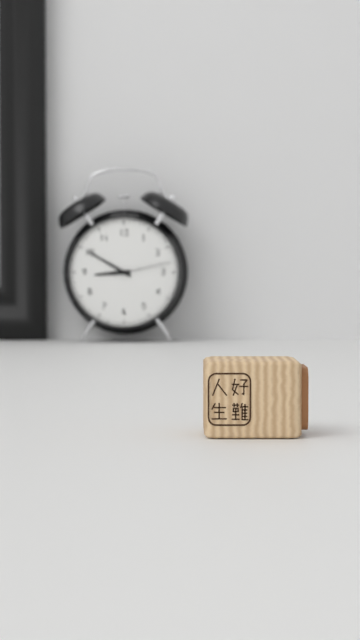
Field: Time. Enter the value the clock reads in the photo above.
8:50:13
